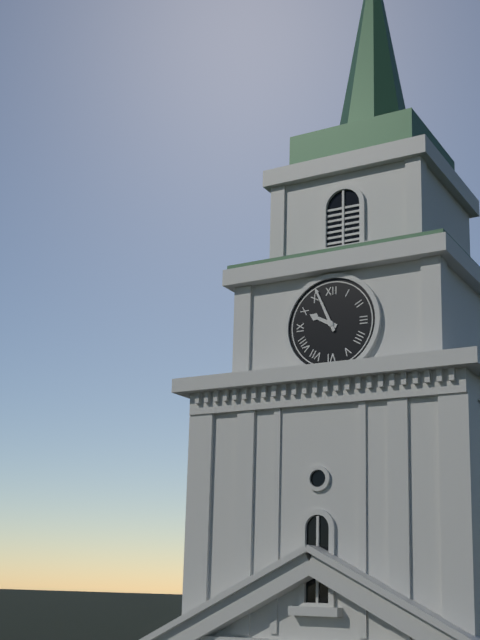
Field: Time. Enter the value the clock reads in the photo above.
9:56
